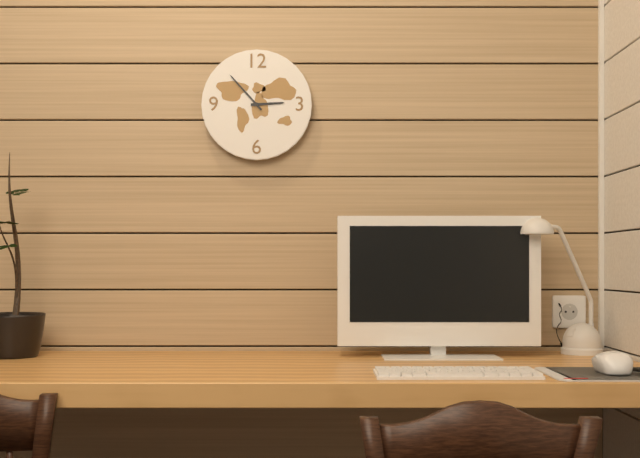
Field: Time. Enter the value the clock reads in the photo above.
2:53
